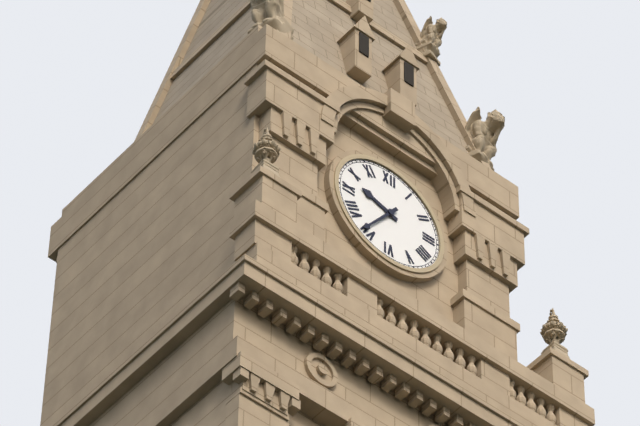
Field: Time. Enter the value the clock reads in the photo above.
9:36
